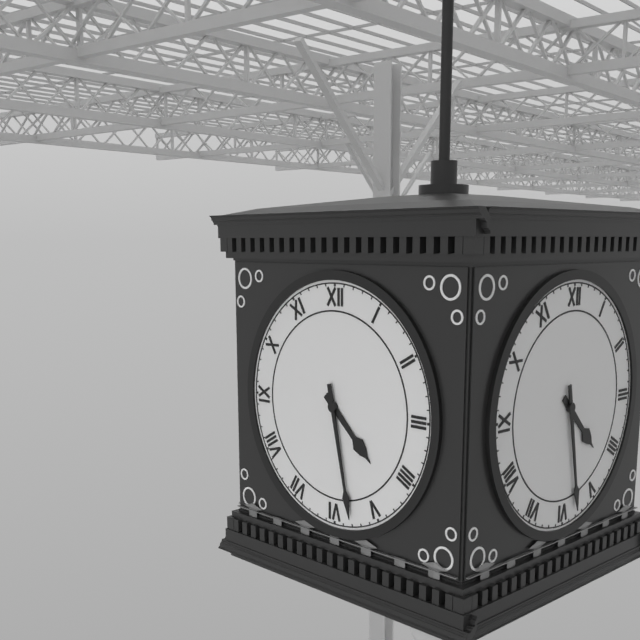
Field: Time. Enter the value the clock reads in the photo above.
4:28
